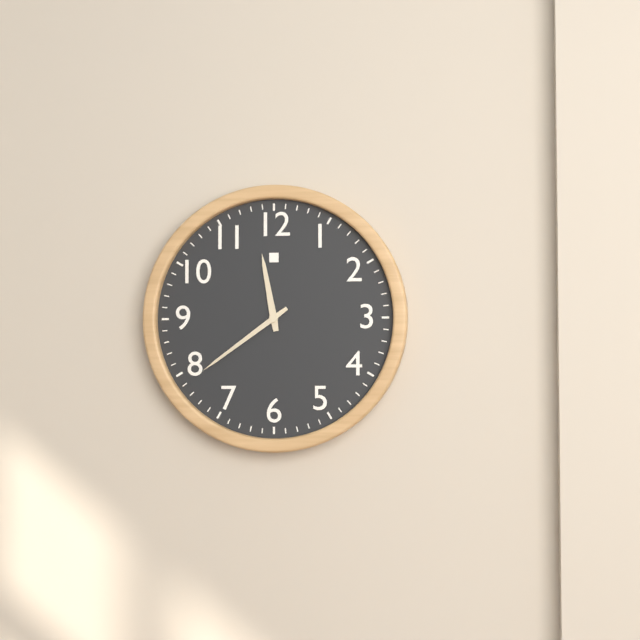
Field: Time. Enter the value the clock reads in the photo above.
11:39
